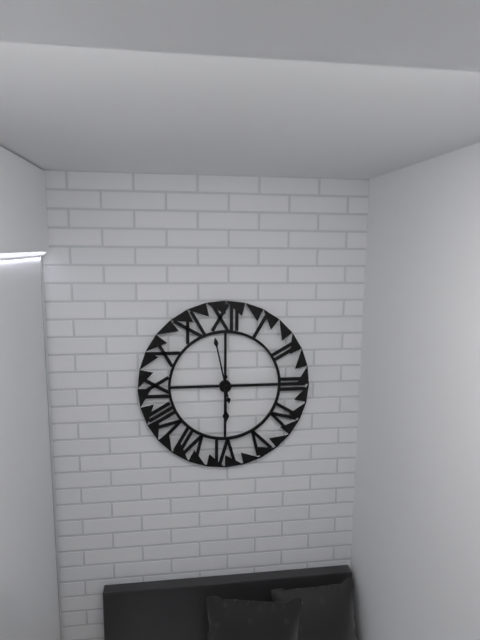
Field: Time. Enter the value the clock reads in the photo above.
5:58
